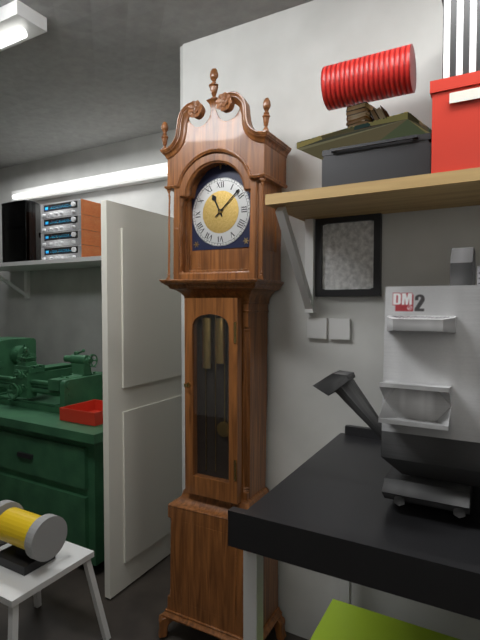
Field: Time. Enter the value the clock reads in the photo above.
11:08
